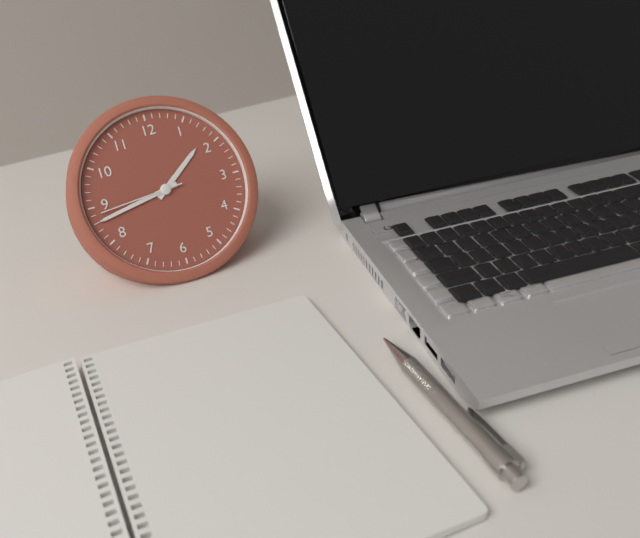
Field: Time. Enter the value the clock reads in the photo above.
1:43:44
